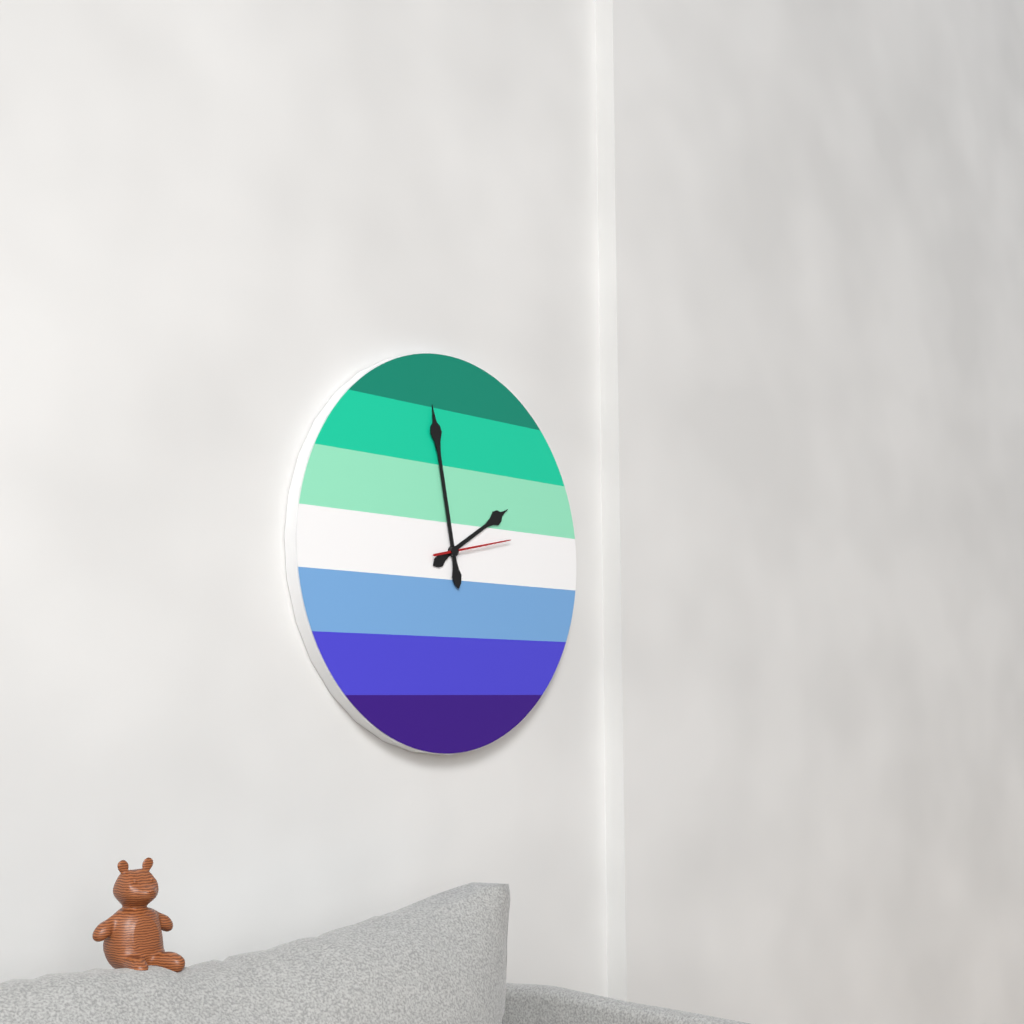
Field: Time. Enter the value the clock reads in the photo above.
1:58:13
